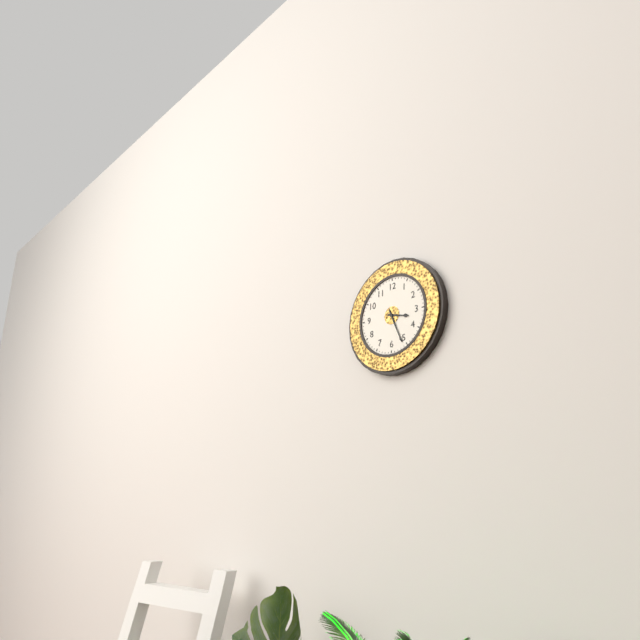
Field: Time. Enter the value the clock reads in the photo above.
3:26
